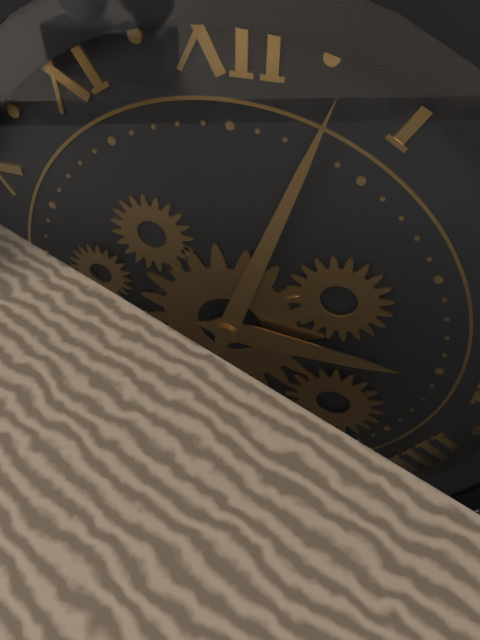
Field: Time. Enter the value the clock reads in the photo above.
3:03
